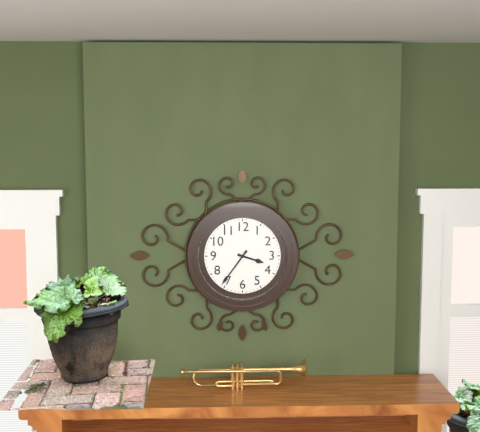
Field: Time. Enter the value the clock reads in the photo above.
3:36
